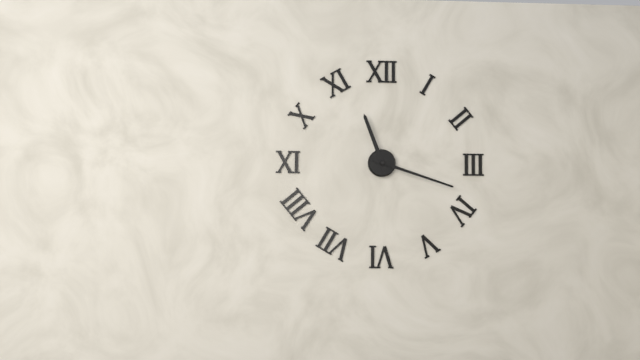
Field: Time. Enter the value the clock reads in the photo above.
11:18
